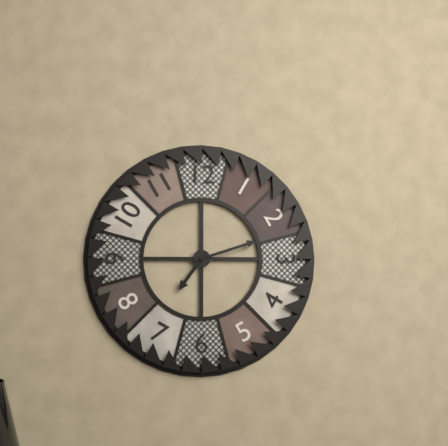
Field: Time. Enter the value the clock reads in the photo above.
7:12
